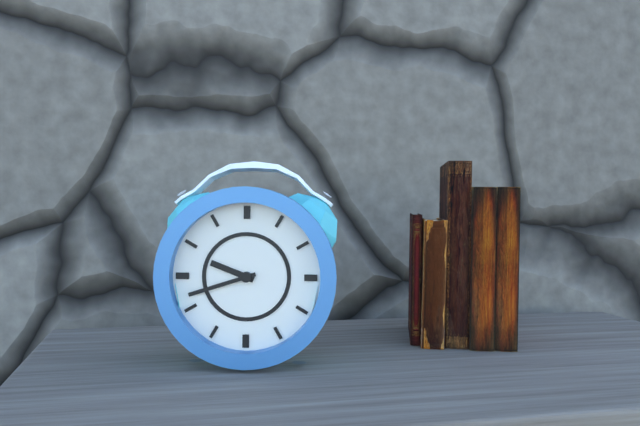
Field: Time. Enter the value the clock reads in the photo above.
9:42
